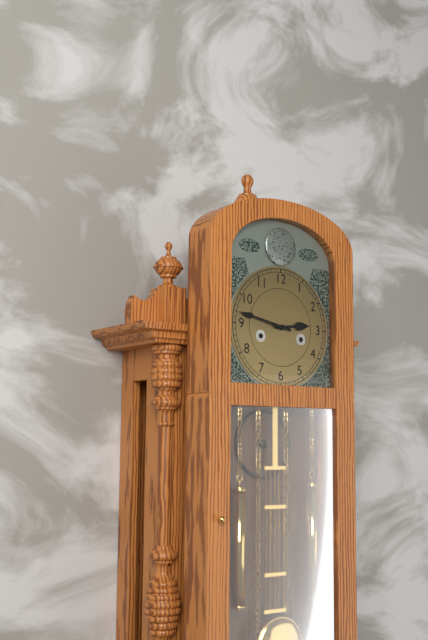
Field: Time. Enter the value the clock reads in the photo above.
2:47
